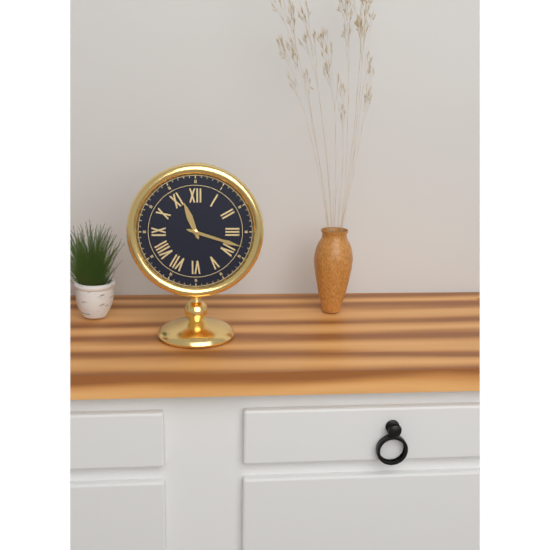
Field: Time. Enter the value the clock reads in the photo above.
11:18
